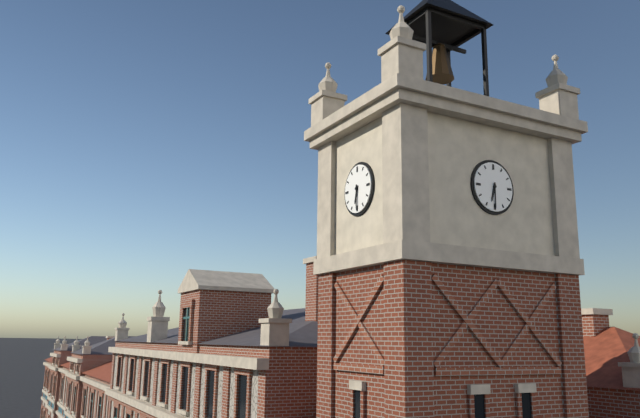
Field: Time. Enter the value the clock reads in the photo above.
6:30
